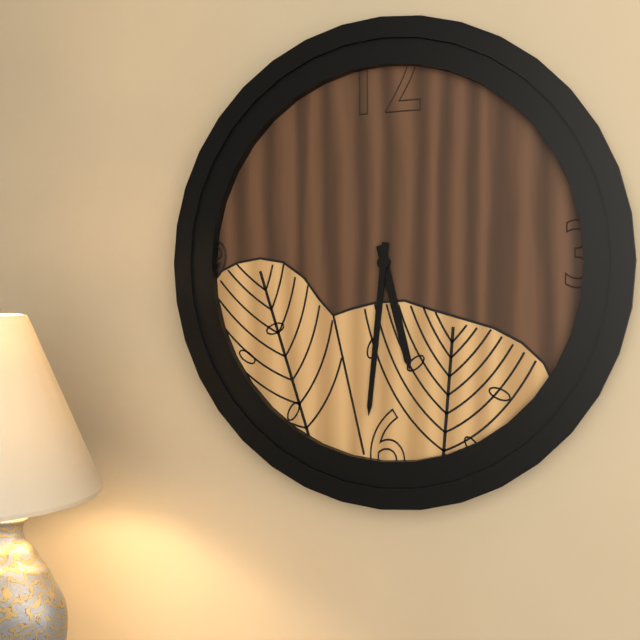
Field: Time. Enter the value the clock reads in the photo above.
5:31
